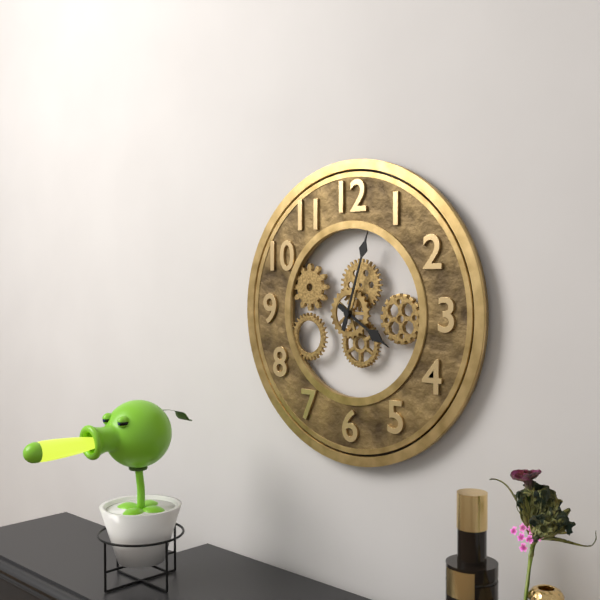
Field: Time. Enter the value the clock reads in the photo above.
4:03
